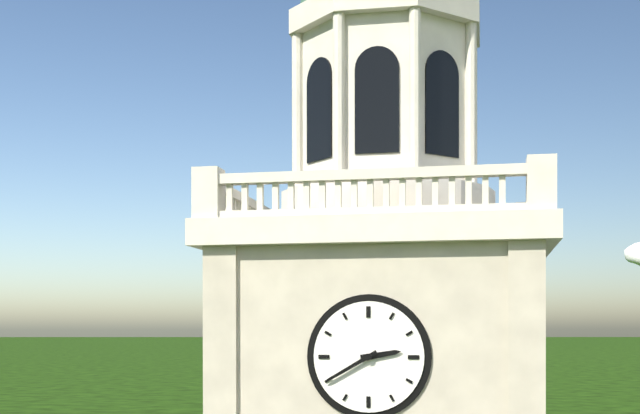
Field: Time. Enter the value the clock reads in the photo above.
2:40
